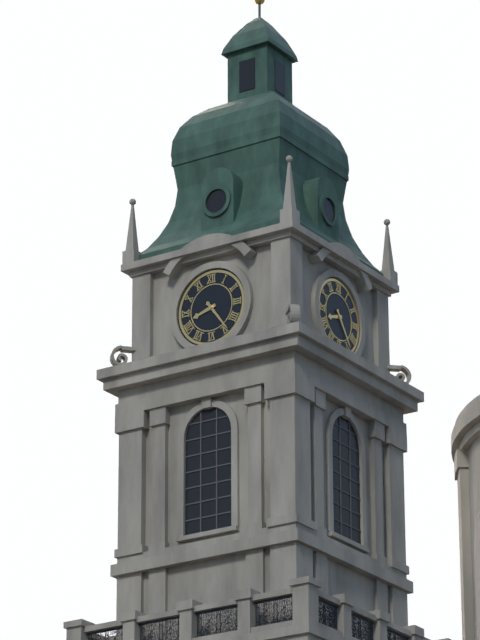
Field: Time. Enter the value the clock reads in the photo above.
8:24
